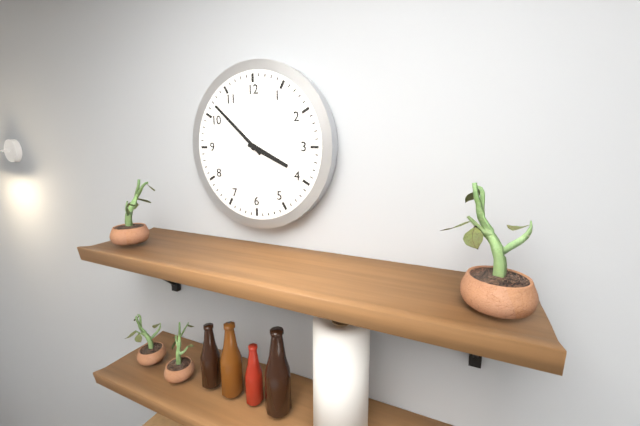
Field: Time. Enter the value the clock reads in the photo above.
3:52
